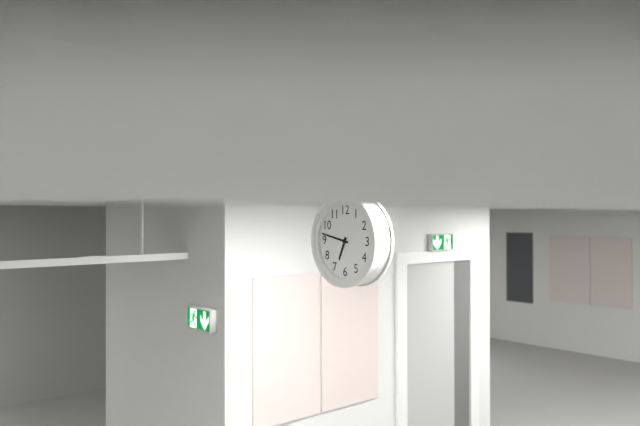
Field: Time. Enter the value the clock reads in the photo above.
6:47
